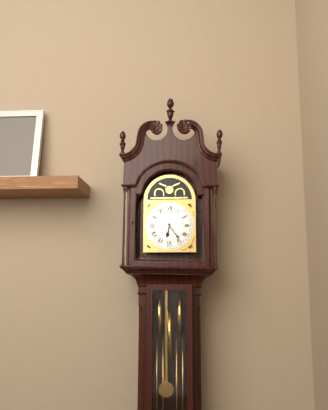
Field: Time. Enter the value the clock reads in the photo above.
6:24
